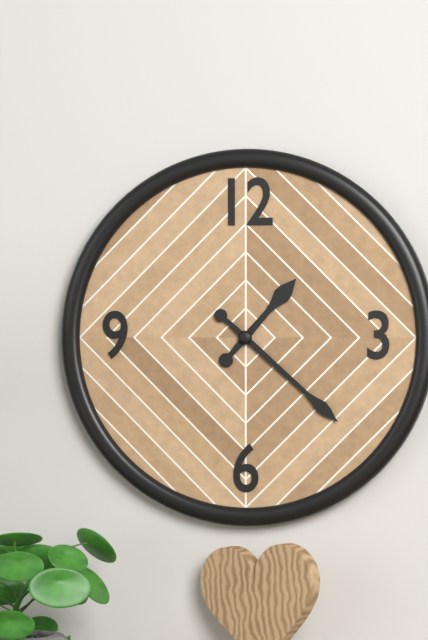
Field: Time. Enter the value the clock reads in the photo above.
1:22
